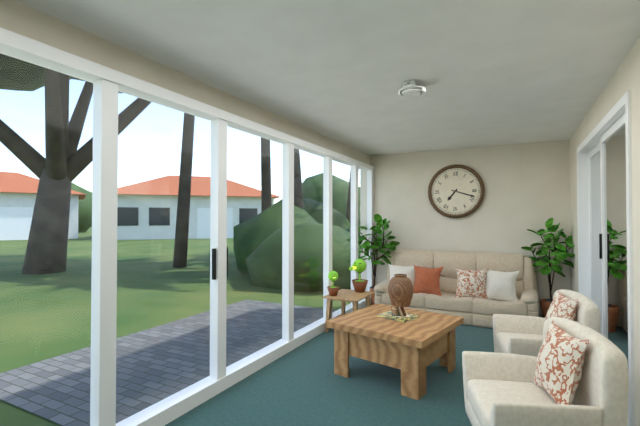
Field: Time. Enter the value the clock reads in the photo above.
7:18
